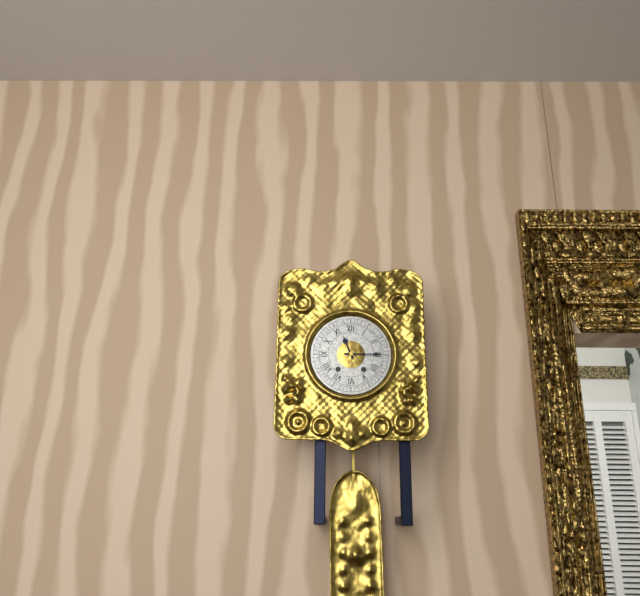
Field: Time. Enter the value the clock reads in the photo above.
11:15
